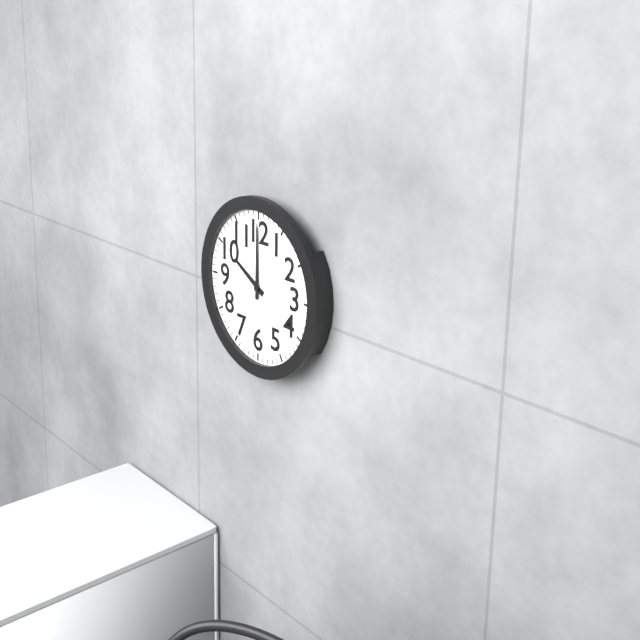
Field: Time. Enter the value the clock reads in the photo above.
10:00
